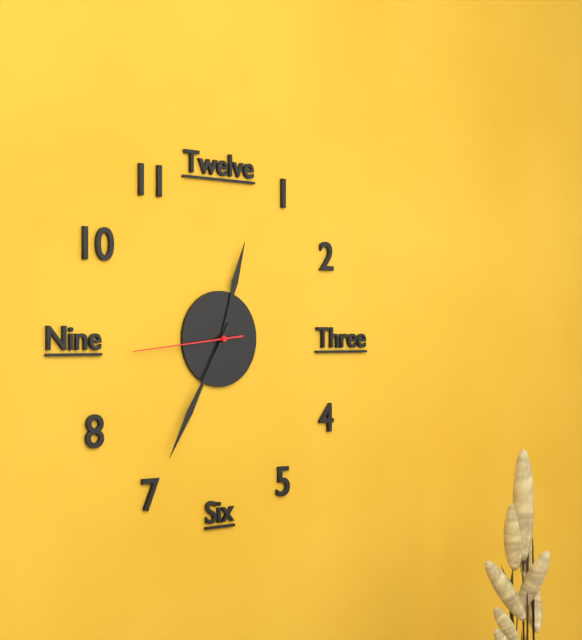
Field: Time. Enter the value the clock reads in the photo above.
12:35:44
